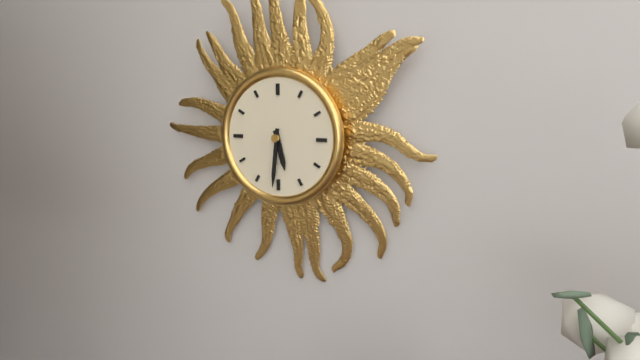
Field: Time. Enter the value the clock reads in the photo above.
5:31
